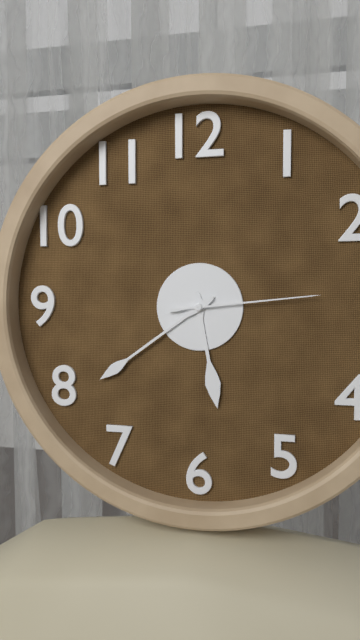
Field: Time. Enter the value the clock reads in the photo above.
5:39:14
